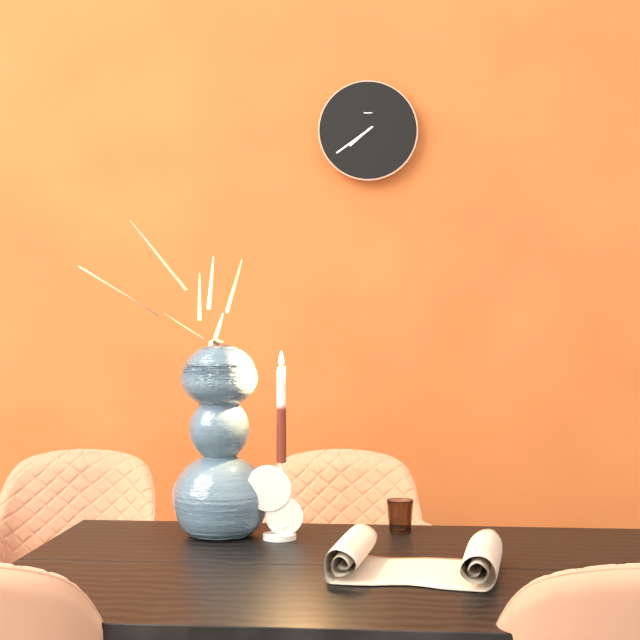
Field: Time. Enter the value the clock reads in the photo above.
7:39
